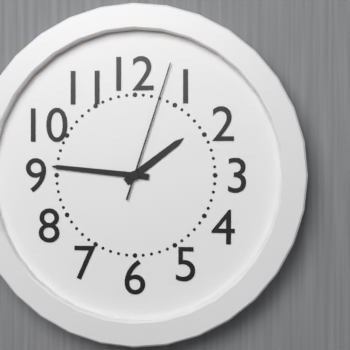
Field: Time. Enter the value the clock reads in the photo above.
1:46:03
